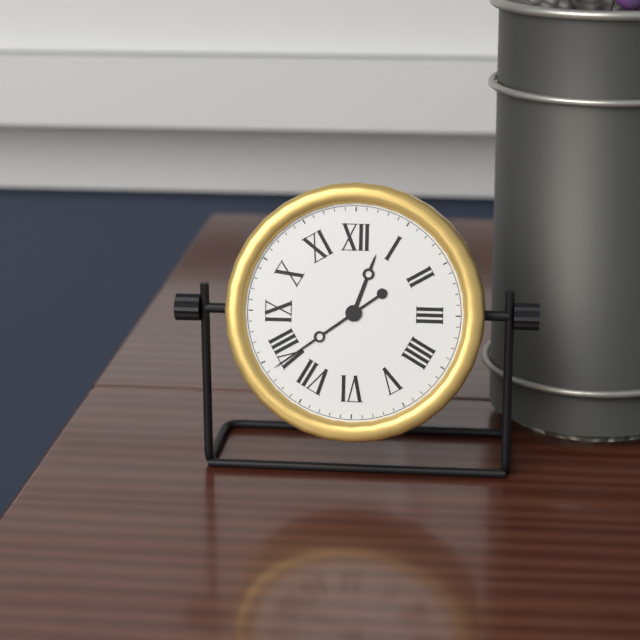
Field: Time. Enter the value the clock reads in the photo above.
12:39
